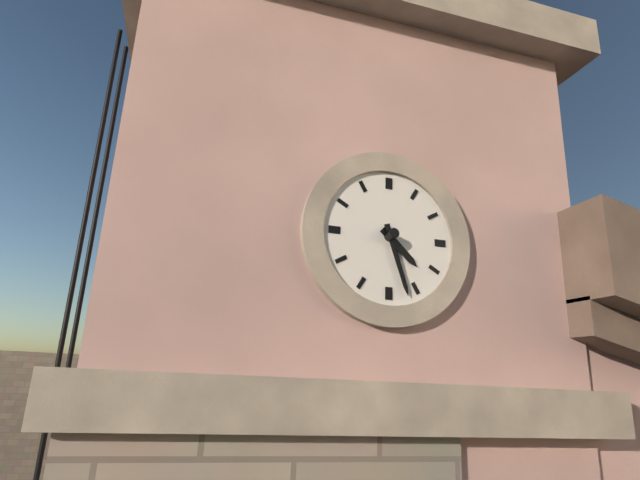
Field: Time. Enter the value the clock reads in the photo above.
4:27
